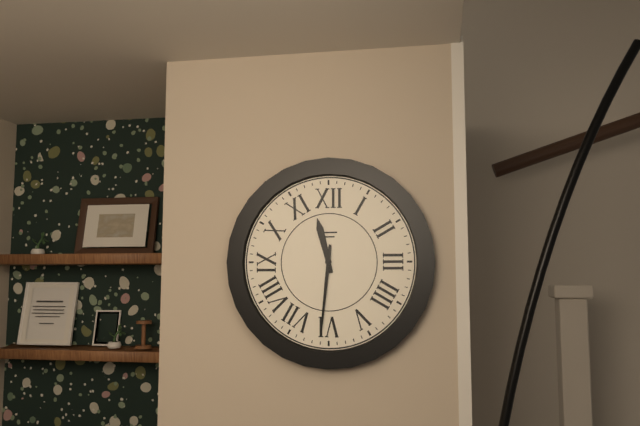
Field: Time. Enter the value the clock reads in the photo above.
11:31
